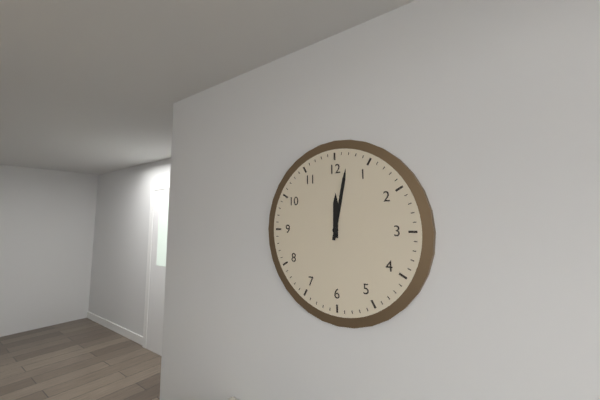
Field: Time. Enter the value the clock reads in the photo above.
12:02
